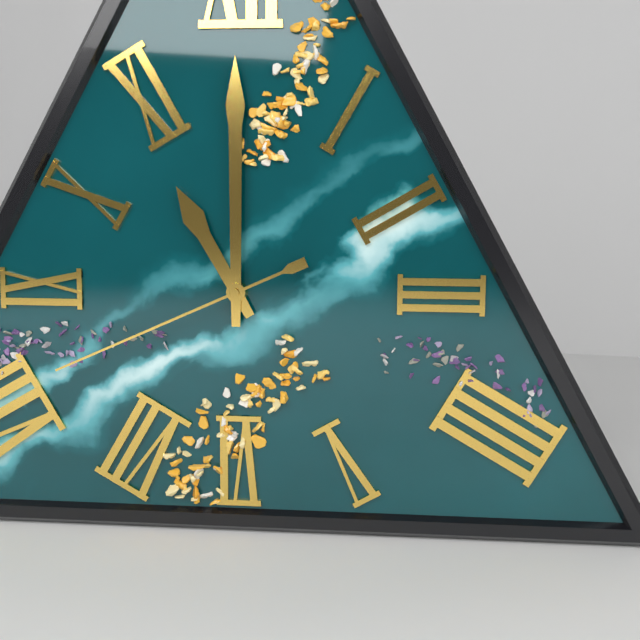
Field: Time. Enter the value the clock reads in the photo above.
11:00:41
